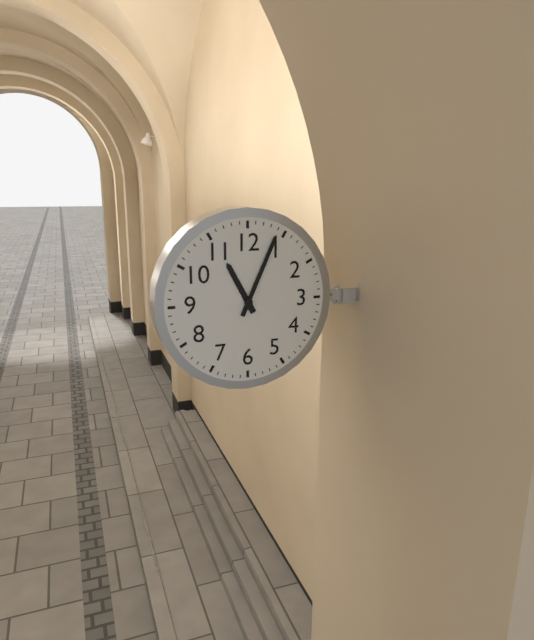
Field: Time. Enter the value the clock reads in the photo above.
11:04
